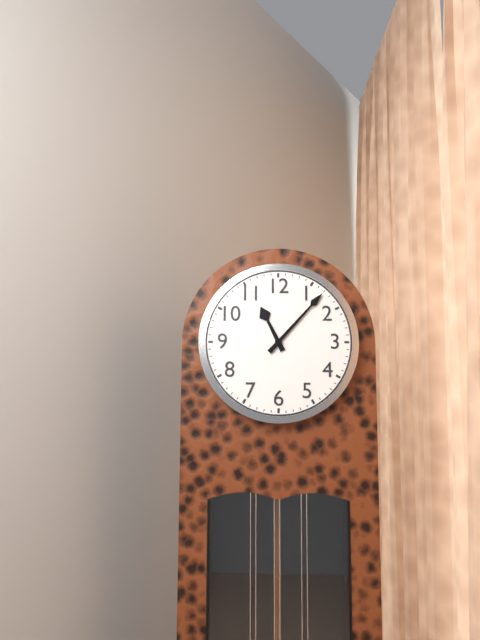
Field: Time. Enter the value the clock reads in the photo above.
11:07
